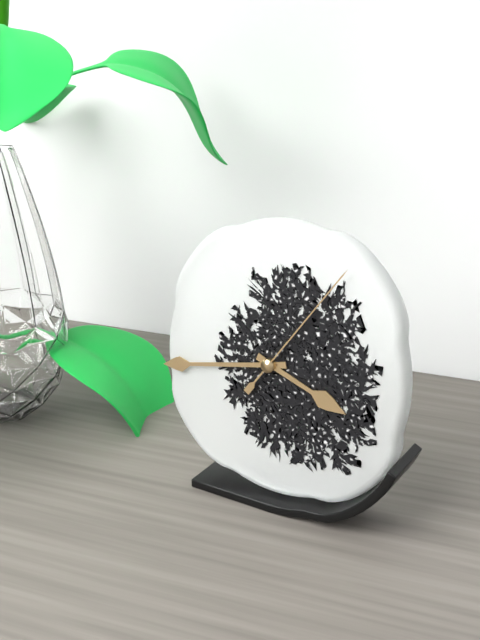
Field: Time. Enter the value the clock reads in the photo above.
3:43:06
